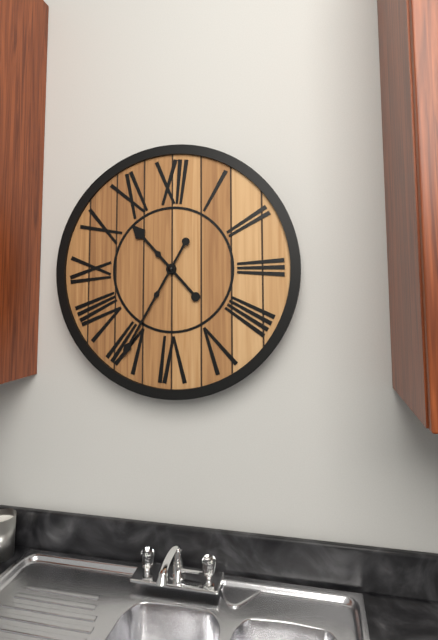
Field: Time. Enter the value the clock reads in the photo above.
10:35
